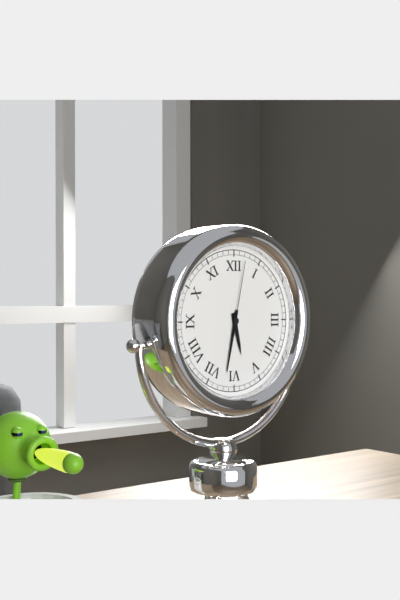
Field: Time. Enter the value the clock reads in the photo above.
5:32:02
